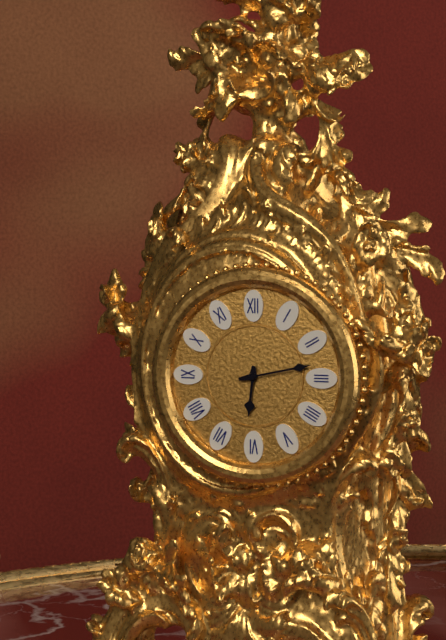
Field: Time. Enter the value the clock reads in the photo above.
6:13
